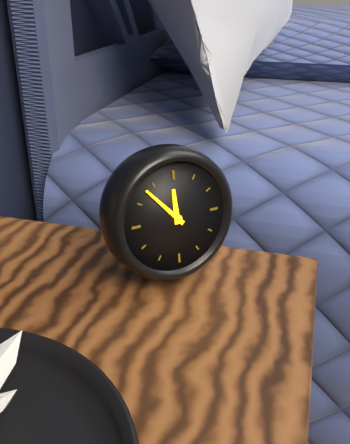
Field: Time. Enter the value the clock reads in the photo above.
11:53
